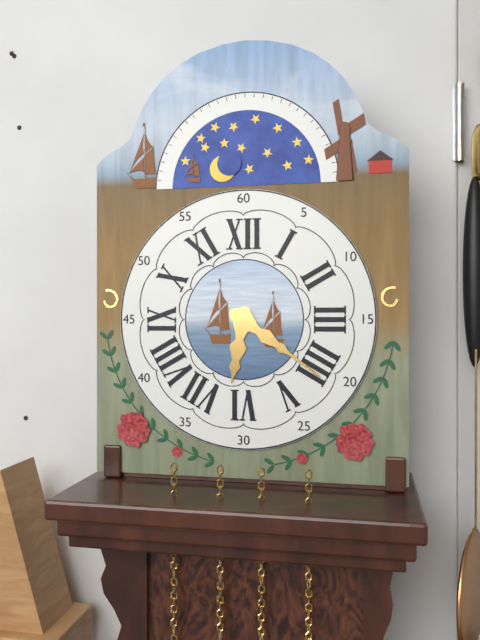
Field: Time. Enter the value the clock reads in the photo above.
6:21
